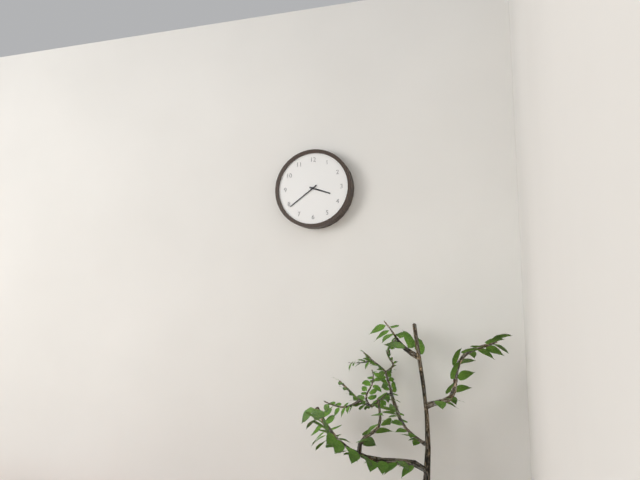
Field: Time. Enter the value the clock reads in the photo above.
3:39
